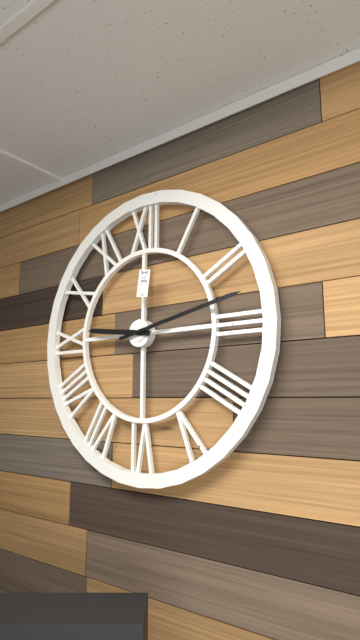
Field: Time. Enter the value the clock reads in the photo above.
9:13
